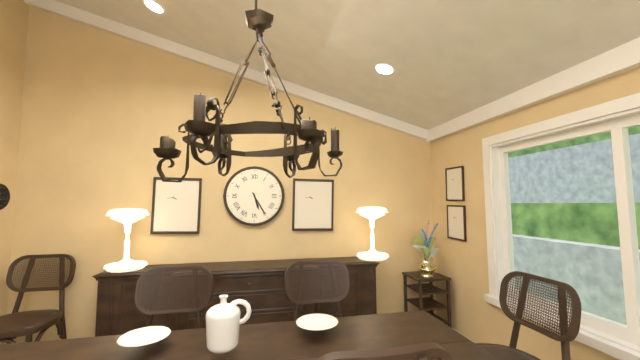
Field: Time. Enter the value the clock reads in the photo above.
5:25
